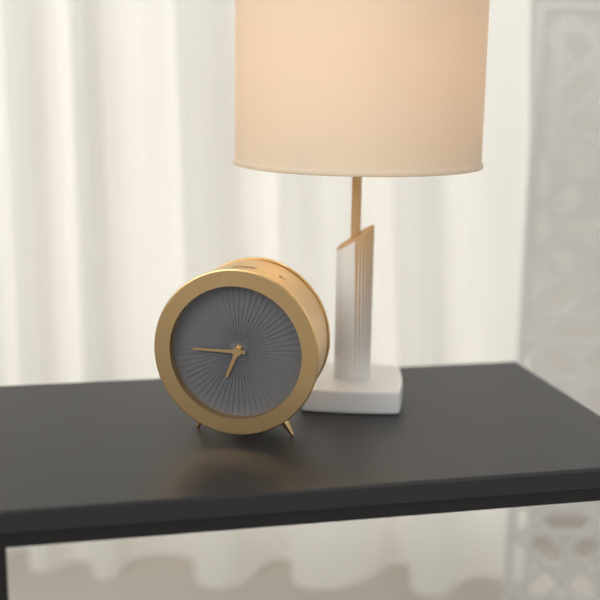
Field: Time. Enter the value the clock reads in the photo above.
6:45
